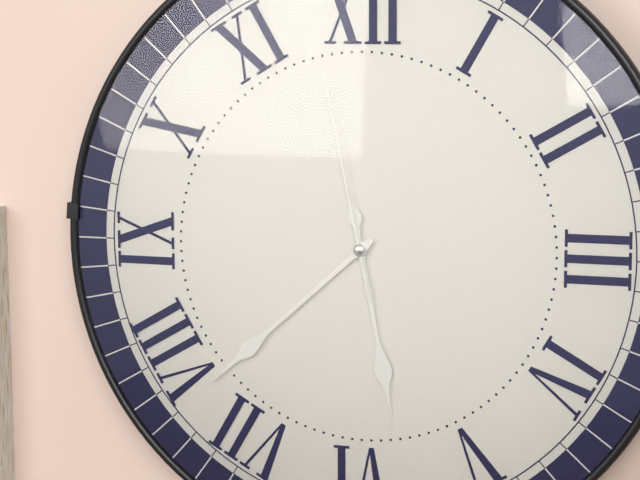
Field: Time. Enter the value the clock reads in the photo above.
5:38:58
